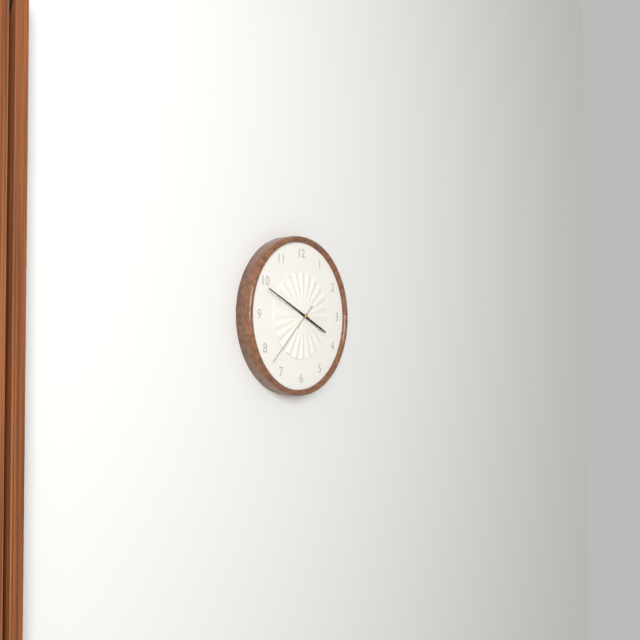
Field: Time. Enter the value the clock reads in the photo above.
3:49:38
